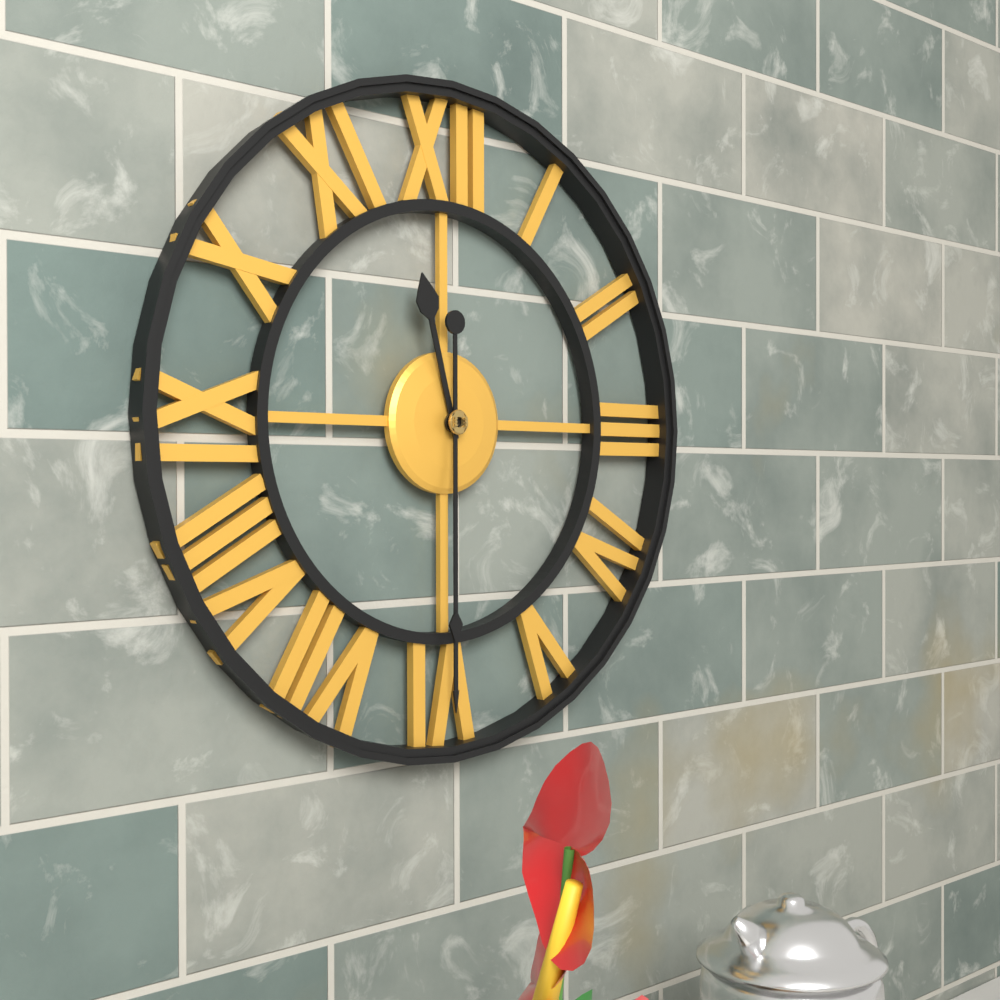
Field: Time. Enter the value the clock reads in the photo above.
11:30
